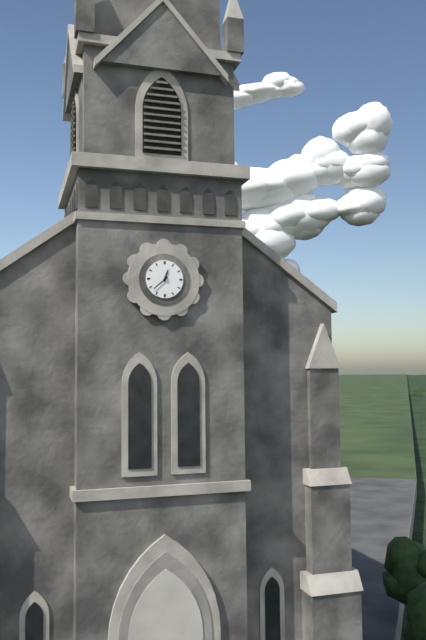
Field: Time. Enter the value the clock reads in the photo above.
12:38
